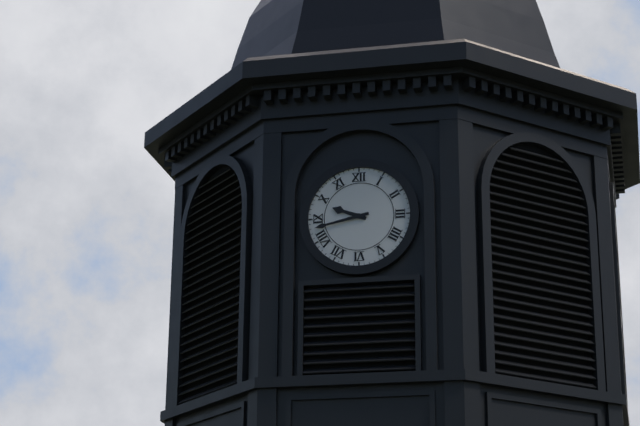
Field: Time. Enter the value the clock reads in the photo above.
9:43
